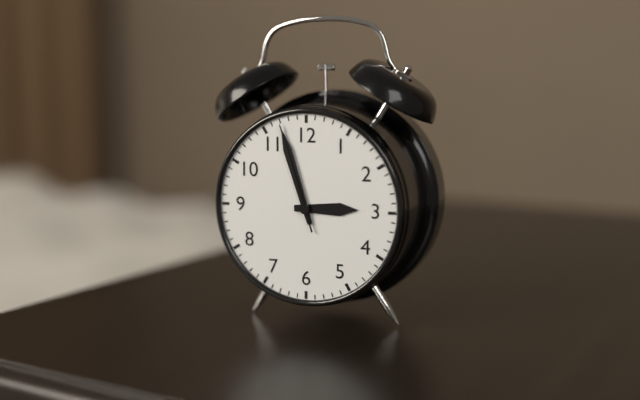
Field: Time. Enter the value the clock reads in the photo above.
2:57:57
